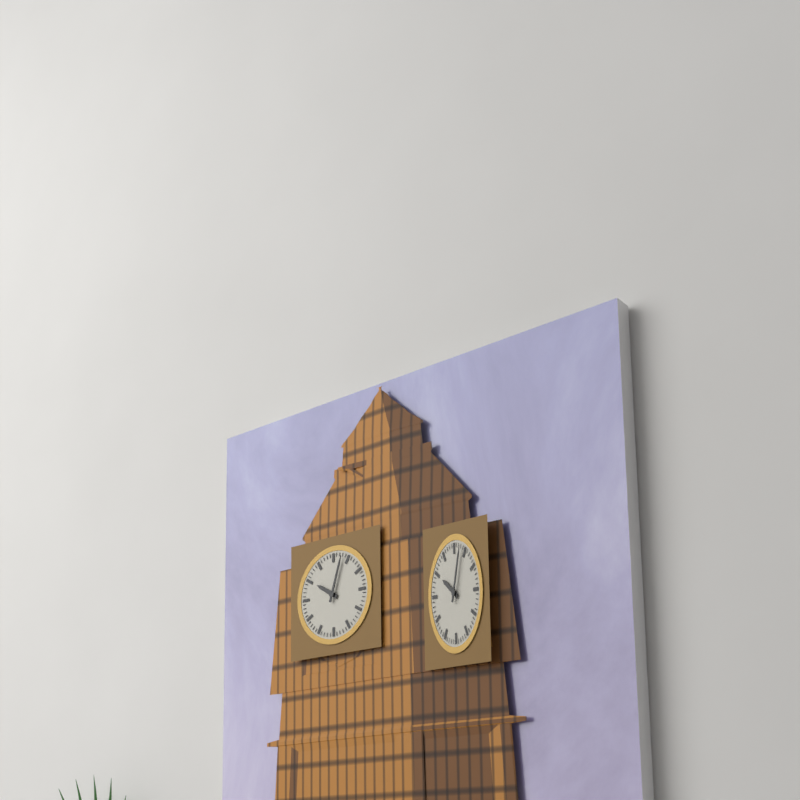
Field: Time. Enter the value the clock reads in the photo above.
10:03
